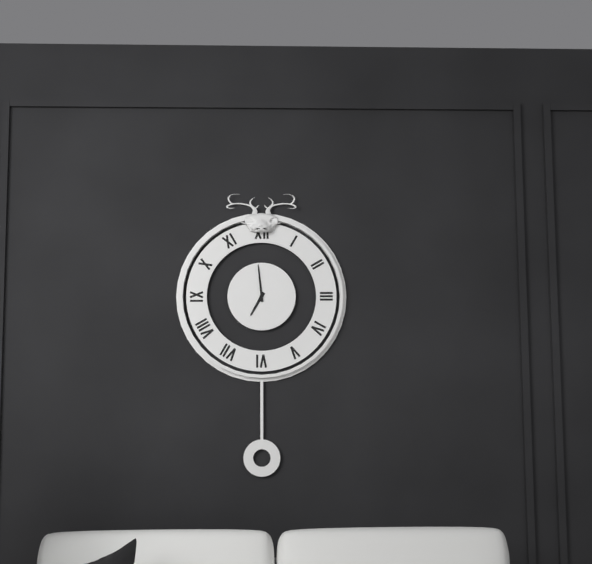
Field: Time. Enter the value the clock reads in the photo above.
6:59
